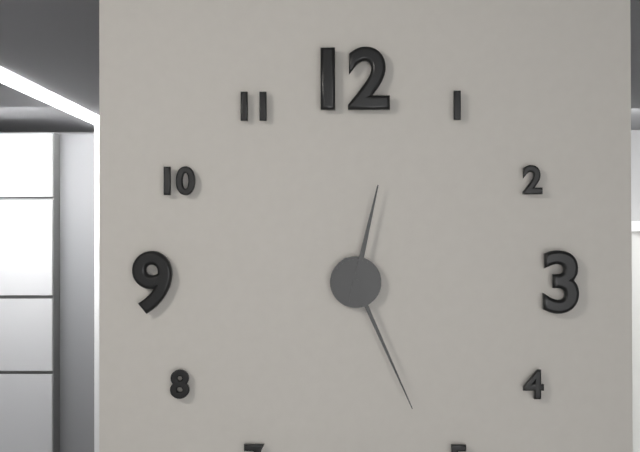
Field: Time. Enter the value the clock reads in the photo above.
12:26
